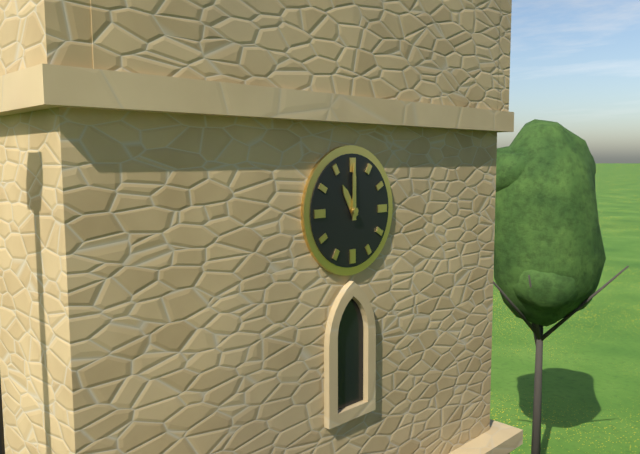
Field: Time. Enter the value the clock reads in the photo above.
11:00
